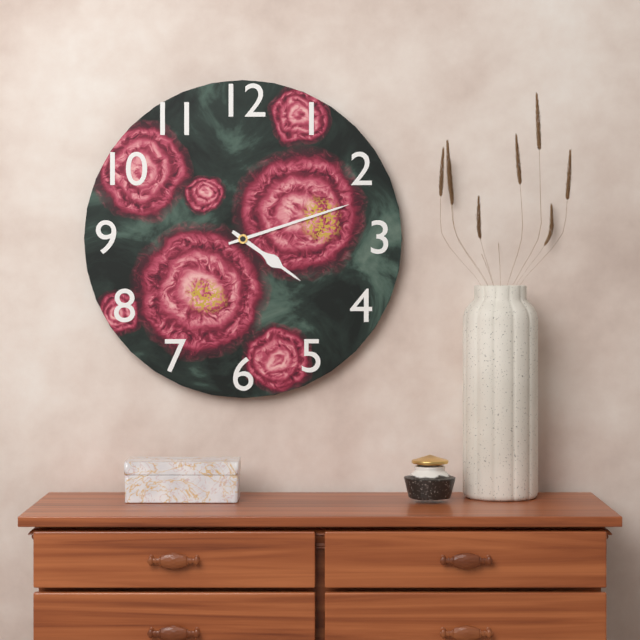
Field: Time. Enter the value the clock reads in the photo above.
4:12
